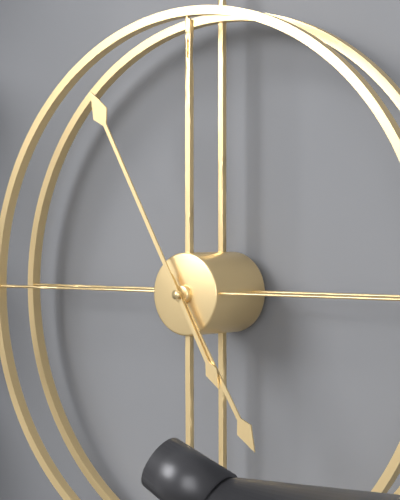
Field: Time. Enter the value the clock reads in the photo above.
4:55
